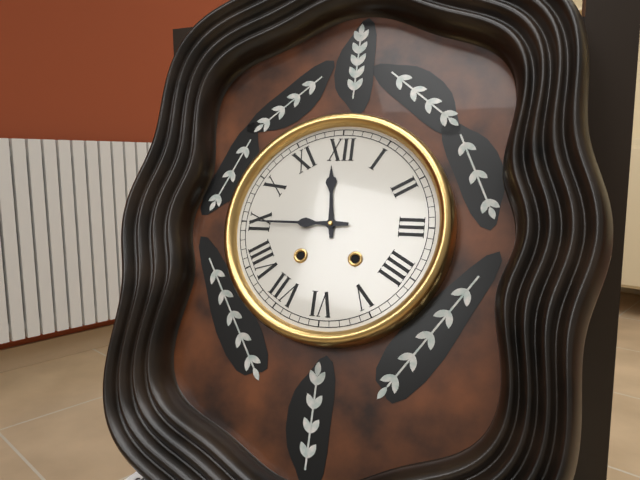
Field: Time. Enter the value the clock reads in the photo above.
11:45
